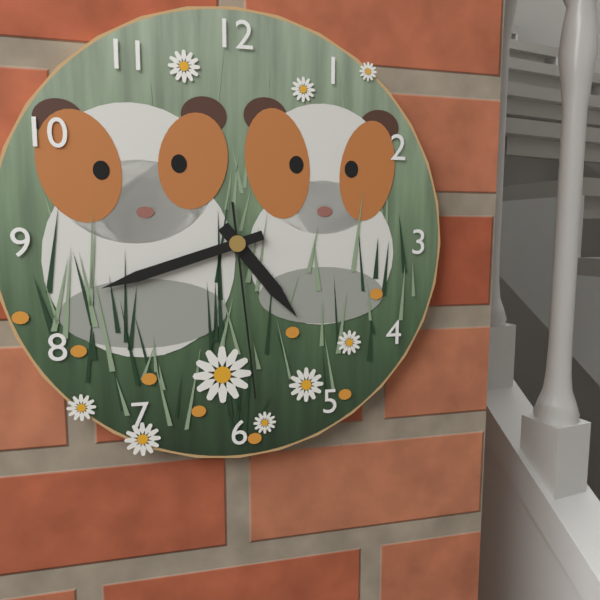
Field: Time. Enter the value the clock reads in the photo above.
4:42:29
